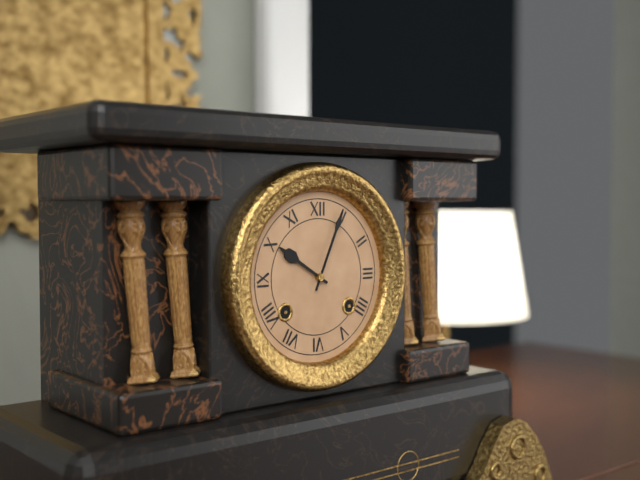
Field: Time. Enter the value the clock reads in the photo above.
10:04
